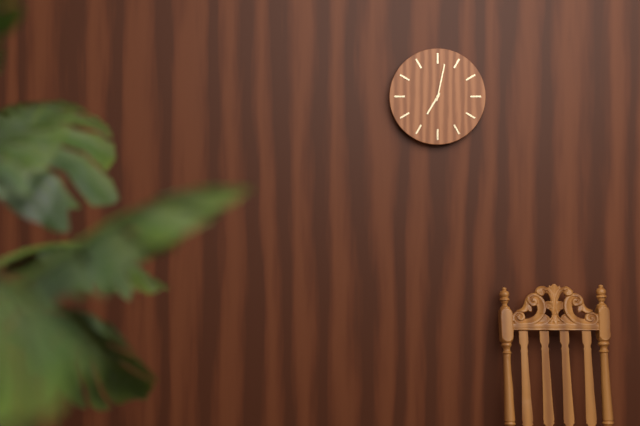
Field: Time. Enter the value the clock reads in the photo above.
7:02
